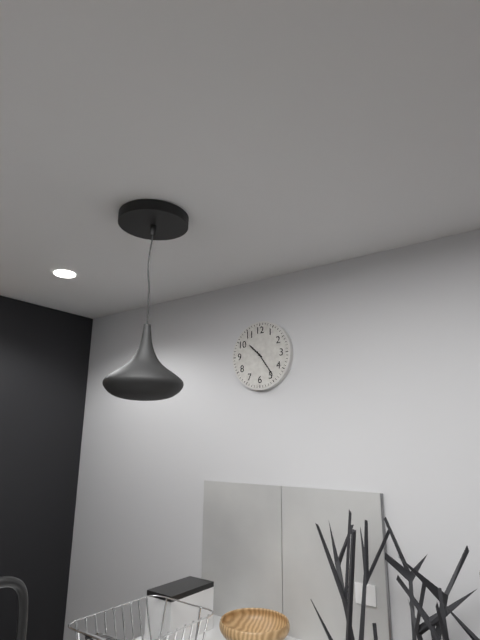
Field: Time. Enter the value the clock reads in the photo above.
10:24
